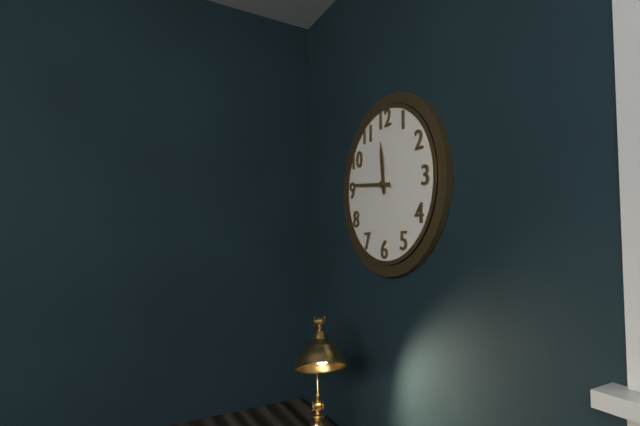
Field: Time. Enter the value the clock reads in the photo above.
11:46
